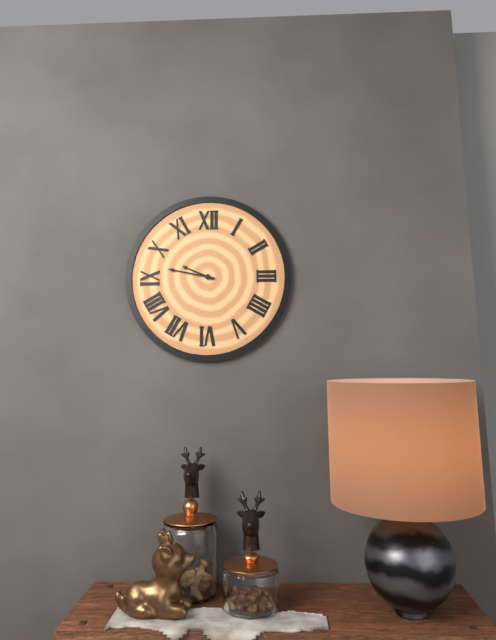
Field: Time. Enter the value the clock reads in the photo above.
9:47
